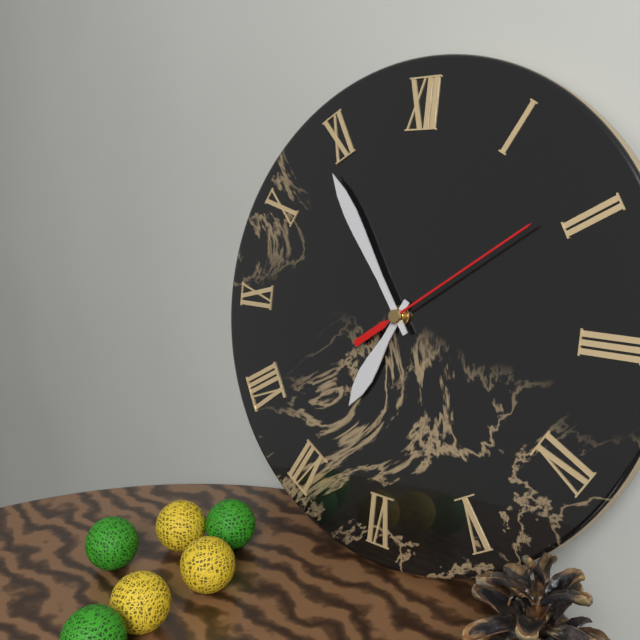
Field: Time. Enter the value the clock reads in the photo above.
6:54:09
